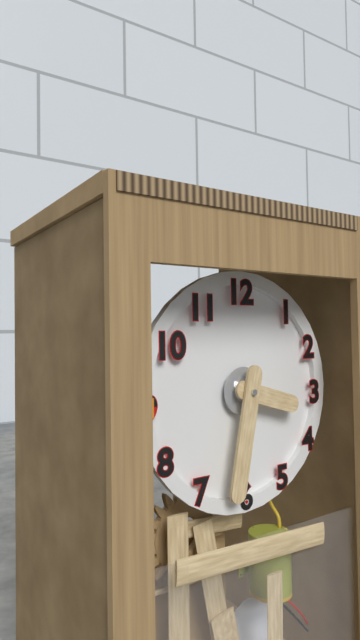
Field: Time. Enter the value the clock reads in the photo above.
3:32
